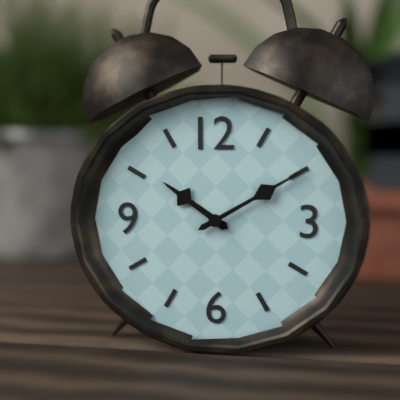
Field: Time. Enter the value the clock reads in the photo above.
10:10
